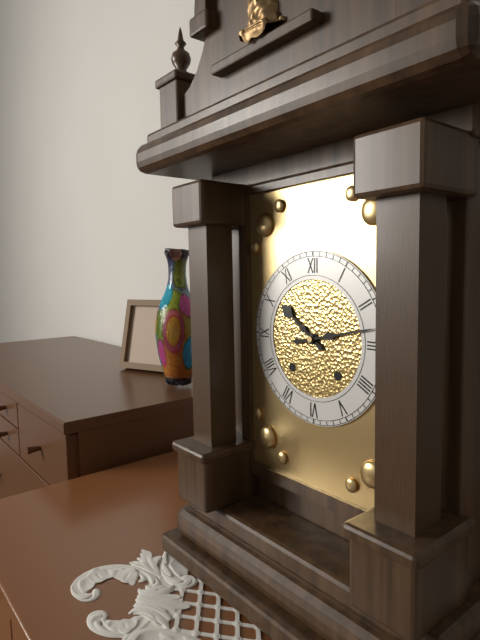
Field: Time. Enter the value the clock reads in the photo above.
10:13
